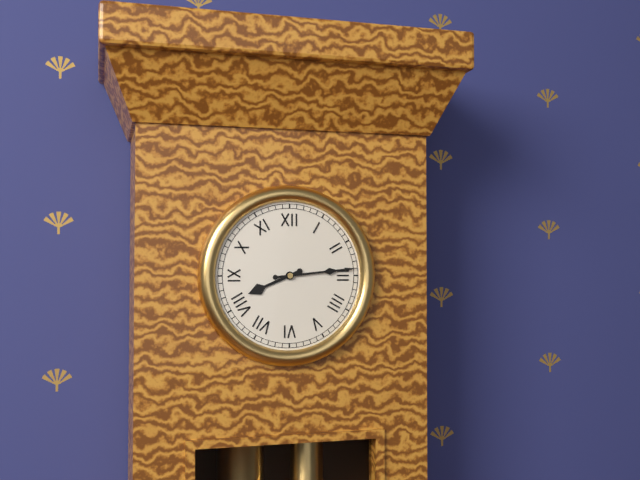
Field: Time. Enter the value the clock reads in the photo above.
8:14
